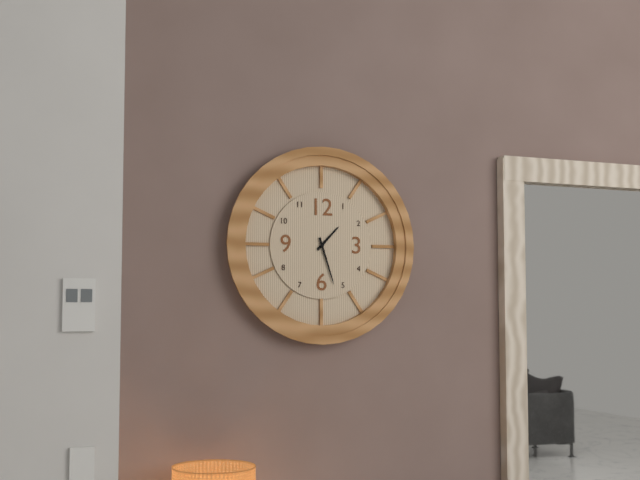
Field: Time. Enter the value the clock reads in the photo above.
1:27
